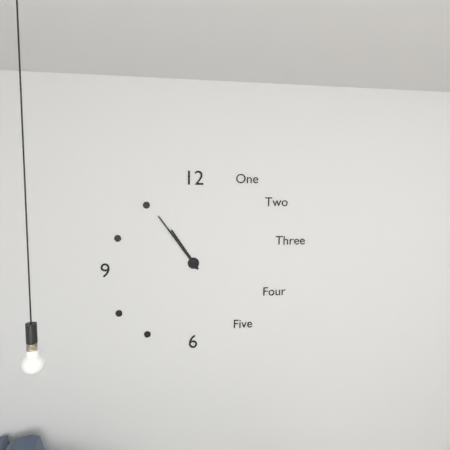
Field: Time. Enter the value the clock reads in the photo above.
10:54
